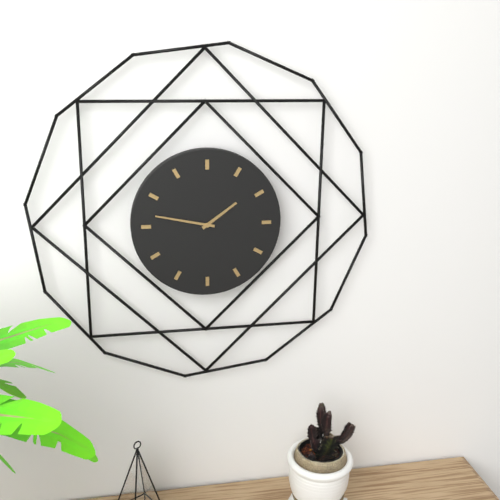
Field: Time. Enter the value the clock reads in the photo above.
1:47
